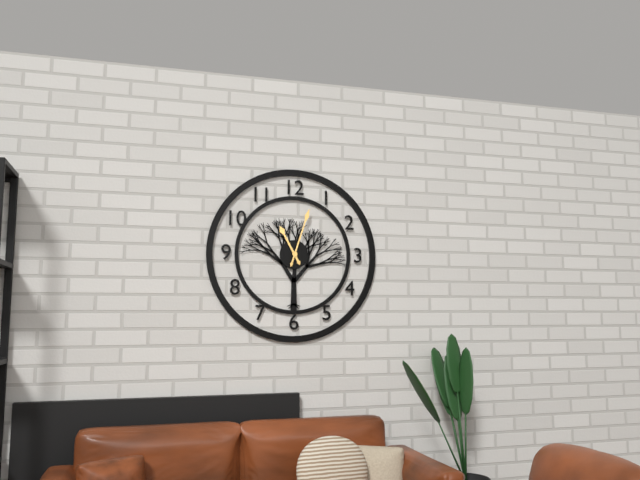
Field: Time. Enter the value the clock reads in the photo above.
11:03
